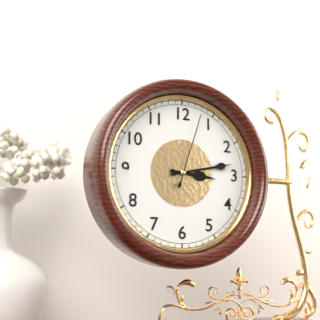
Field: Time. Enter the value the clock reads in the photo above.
3:13:03
